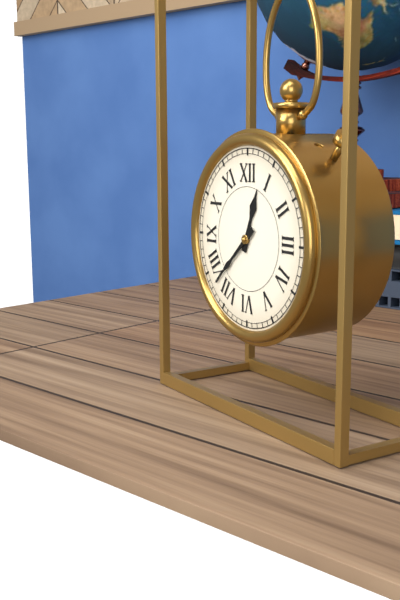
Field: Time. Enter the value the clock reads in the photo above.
12:38
